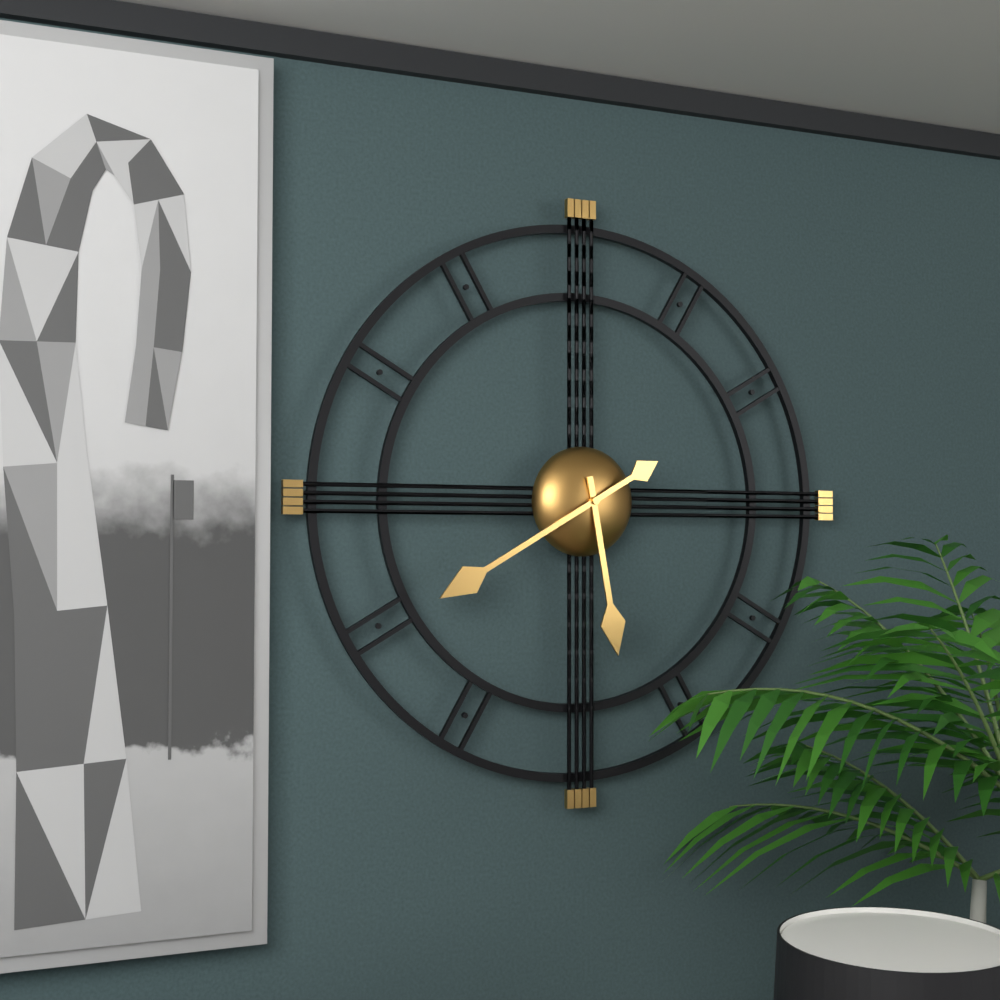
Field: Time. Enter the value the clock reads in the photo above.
5:40
